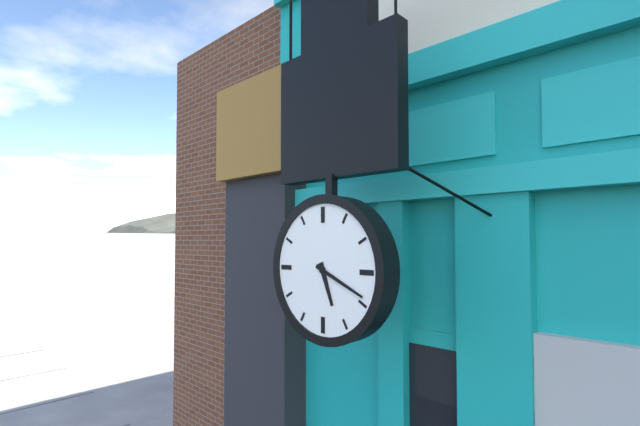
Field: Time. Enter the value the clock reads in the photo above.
5:19
